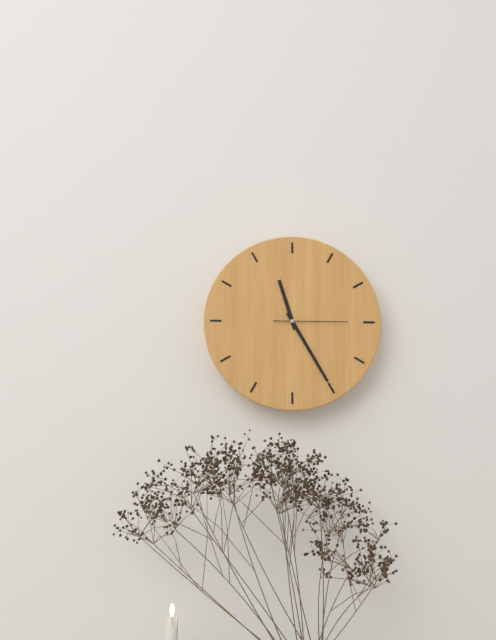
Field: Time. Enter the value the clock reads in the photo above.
11:25:15
